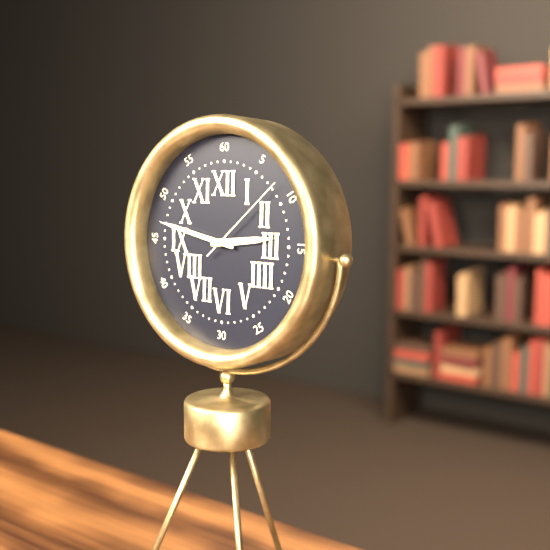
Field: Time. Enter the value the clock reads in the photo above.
2:47:08
